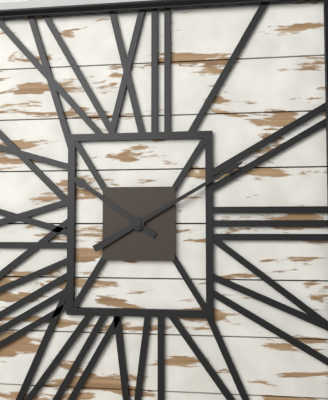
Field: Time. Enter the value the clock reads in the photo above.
10:10
